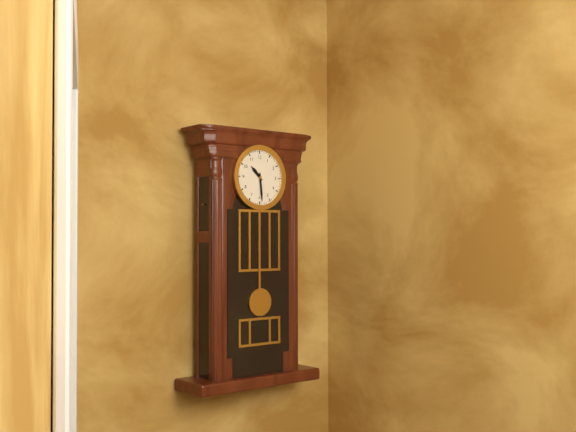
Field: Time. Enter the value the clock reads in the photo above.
10:29
